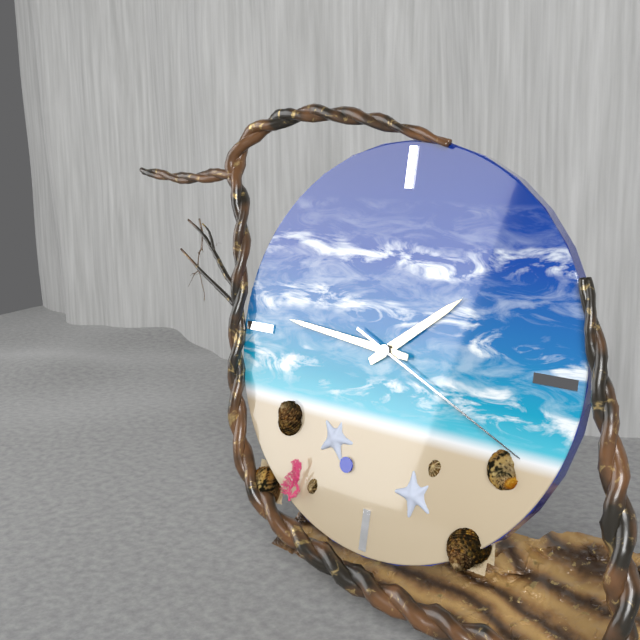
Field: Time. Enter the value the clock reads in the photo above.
1:46:19
